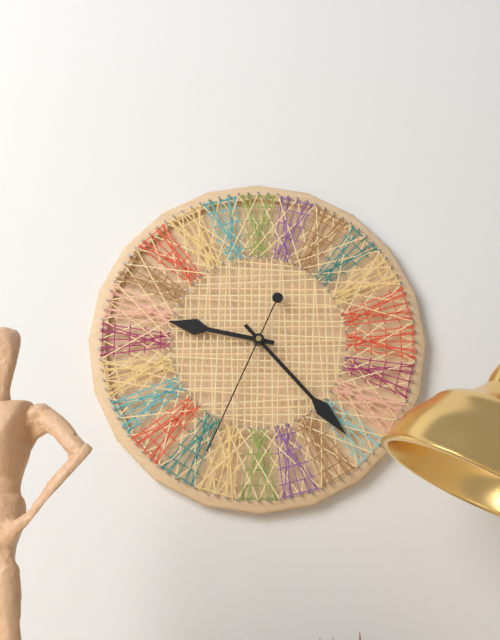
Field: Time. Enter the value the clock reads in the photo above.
9:23:34
